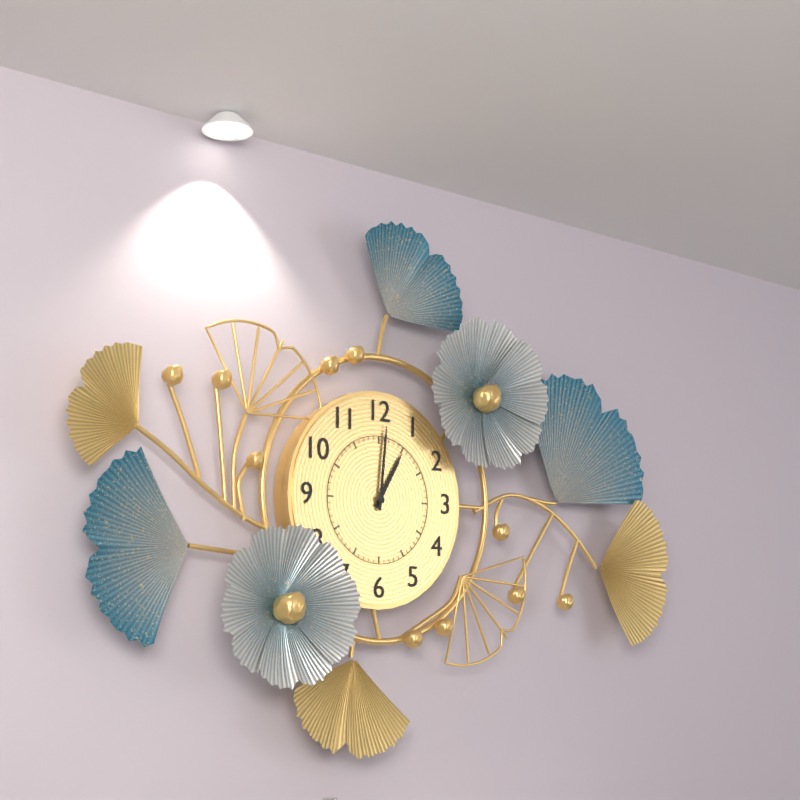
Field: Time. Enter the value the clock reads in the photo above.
1:01
